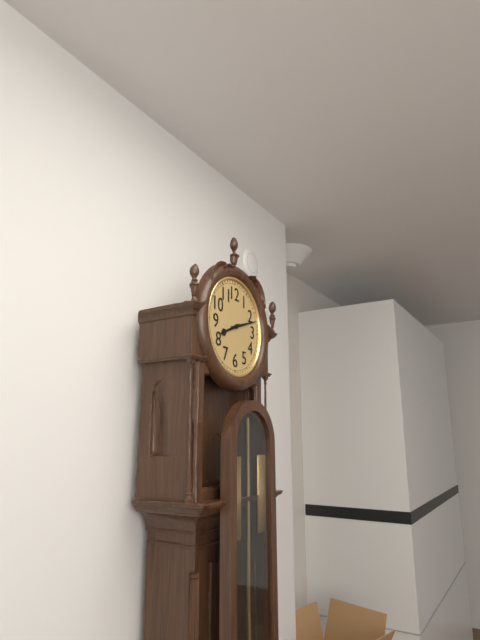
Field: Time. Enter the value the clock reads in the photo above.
8:12
